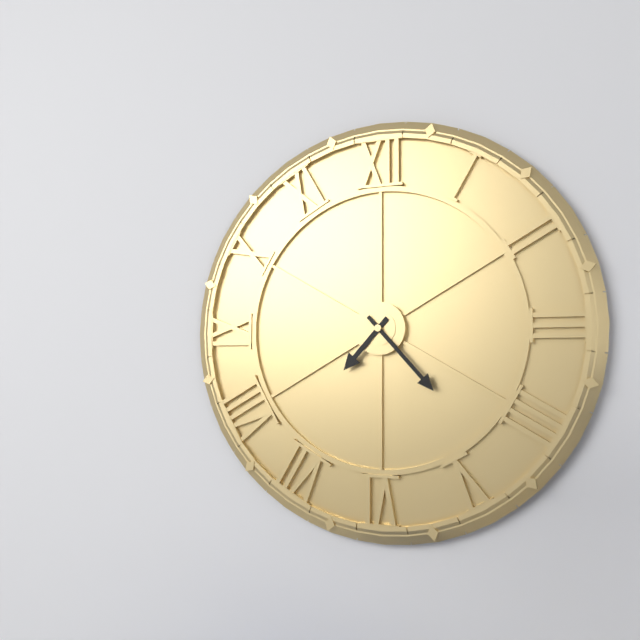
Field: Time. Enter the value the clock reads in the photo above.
7:23
